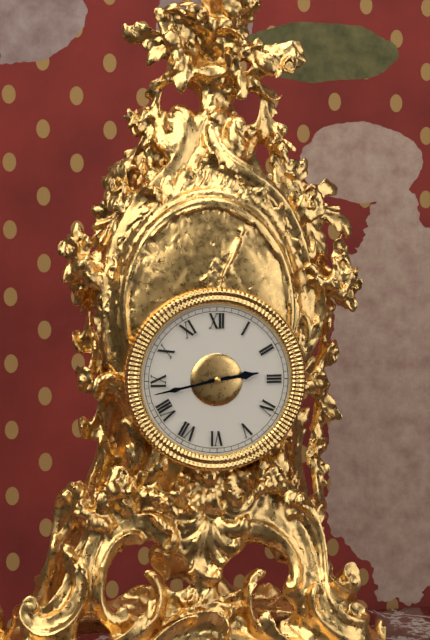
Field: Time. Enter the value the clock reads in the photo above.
2:43
